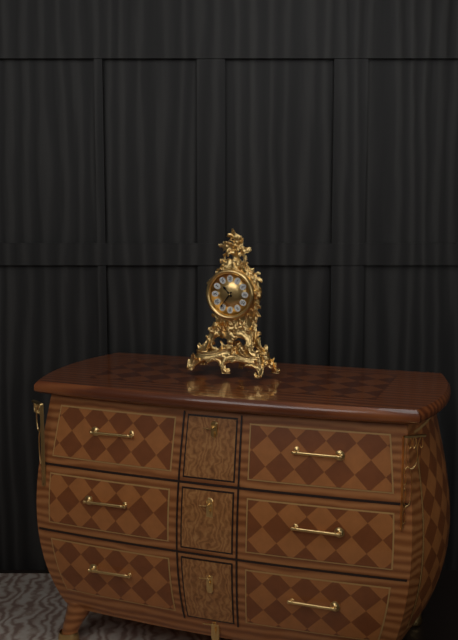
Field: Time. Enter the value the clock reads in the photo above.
10:36
